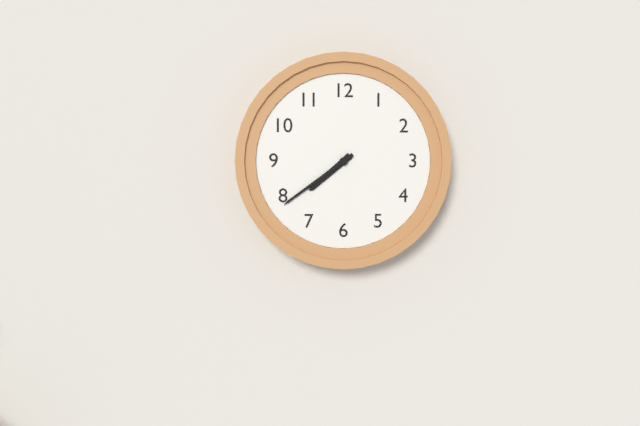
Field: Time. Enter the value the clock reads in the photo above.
7:39
